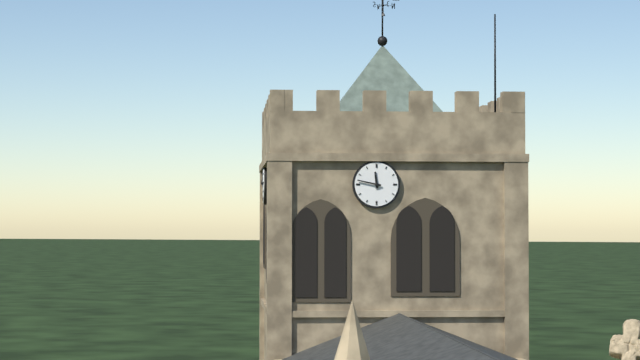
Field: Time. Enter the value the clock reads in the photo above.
11:47
